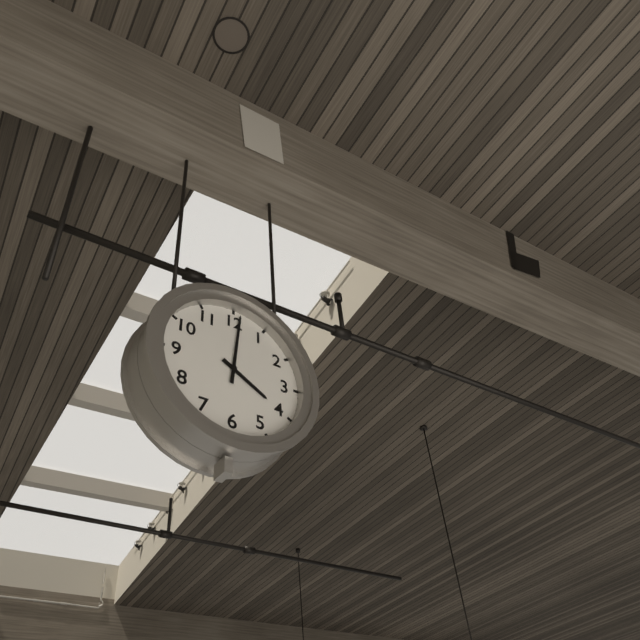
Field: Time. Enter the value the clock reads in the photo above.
4:01
